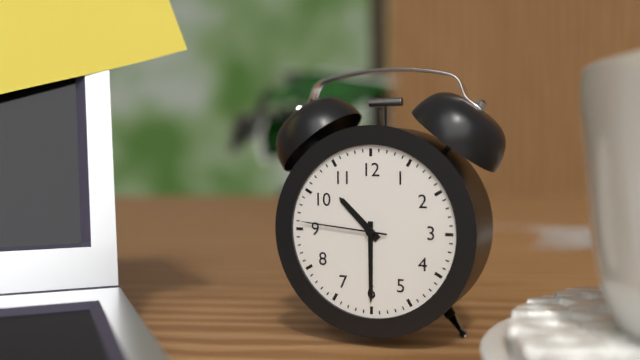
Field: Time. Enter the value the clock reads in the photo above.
10:30:46
